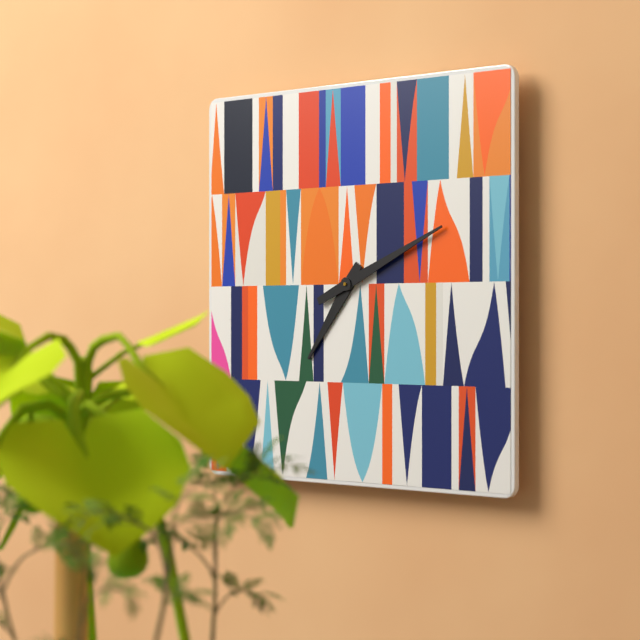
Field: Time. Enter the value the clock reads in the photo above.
7:11
